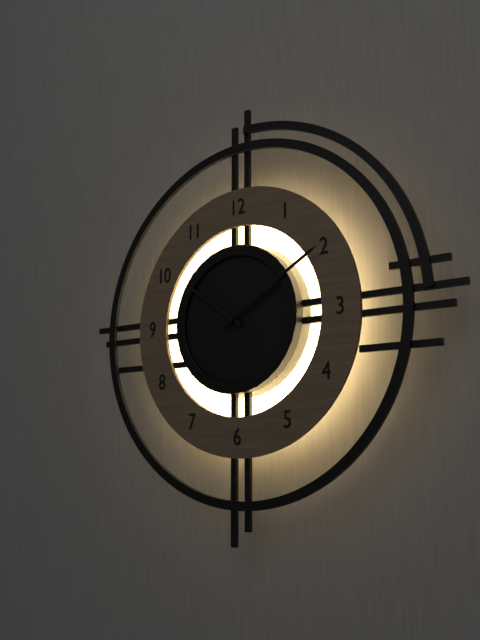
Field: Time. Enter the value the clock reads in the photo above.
10:10
